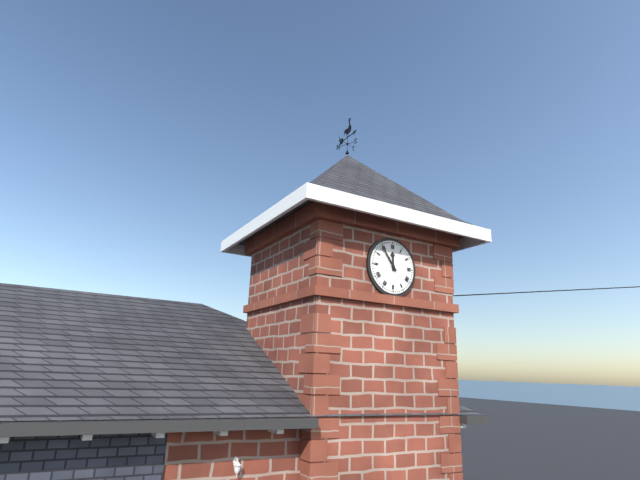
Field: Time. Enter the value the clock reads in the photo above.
11:54
